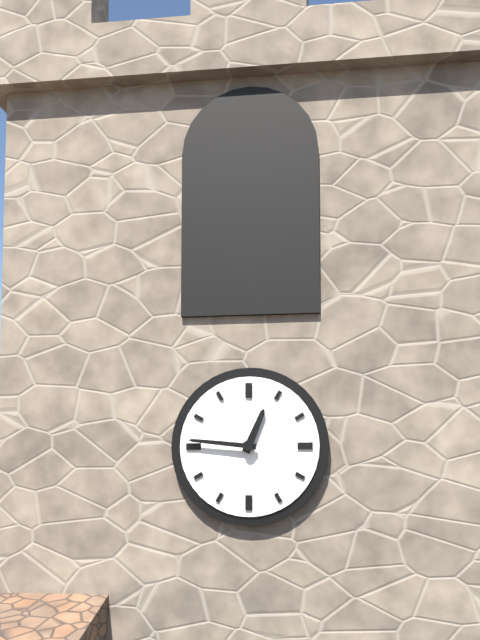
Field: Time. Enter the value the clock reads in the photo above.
12:46
